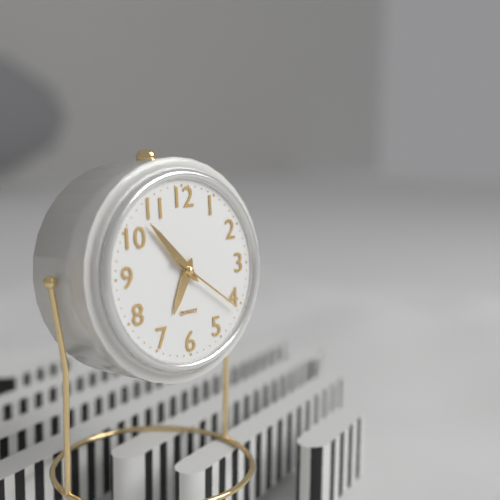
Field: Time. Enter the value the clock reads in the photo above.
6:53:21
